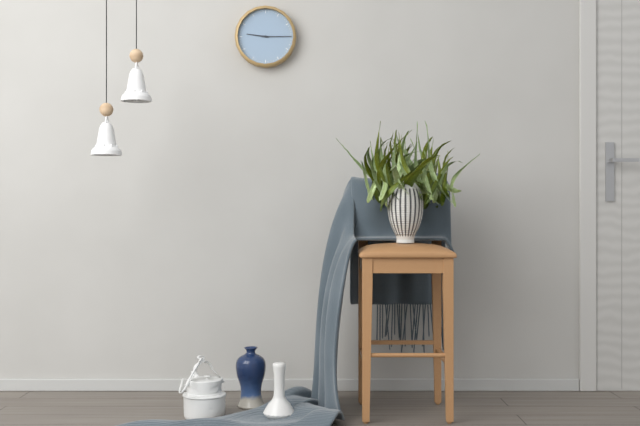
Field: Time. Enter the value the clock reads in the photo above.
9:15
